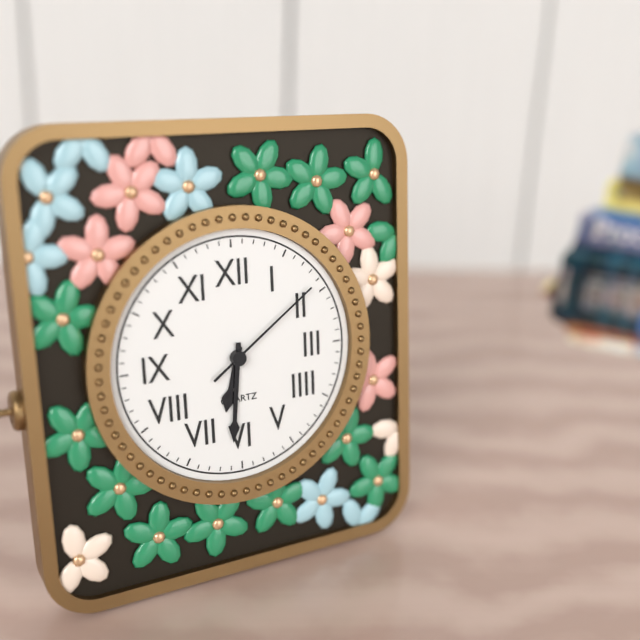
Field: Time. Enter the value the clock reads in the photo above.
6:31:09
